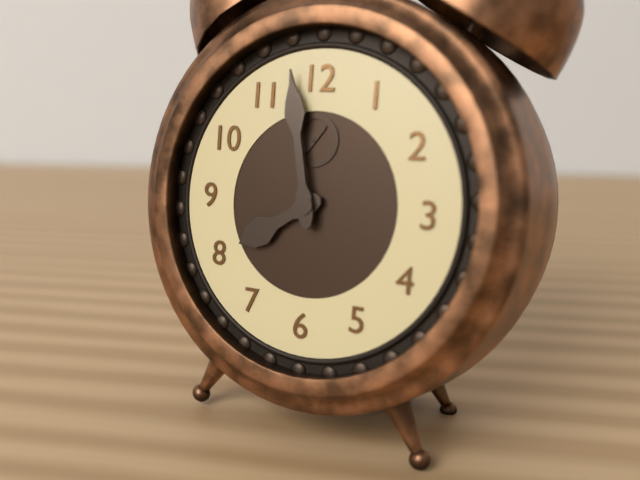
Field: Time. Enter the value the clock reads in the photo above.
7:58
